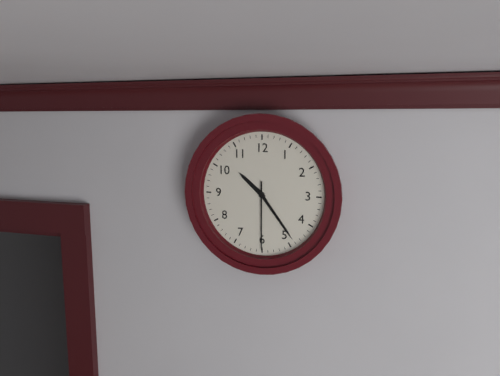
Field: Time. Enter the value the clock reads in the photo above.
10:24:30
